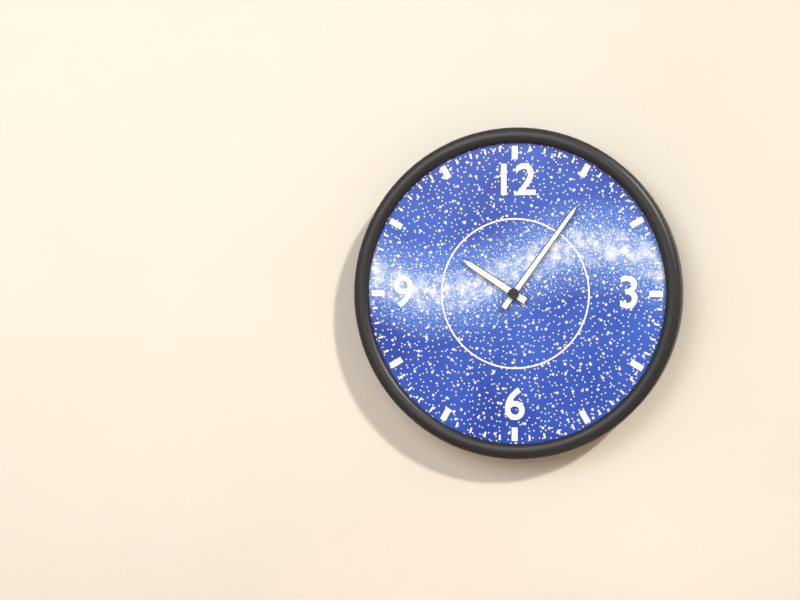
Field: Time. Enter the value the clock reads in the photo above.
10:06
